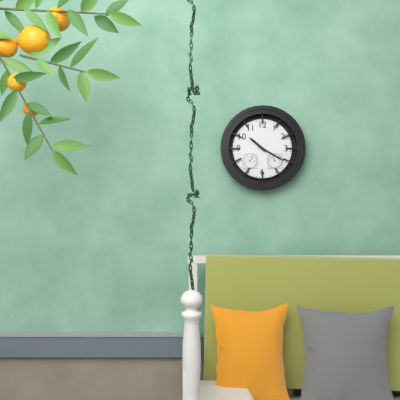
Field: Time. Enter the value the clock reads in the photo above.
10:20
